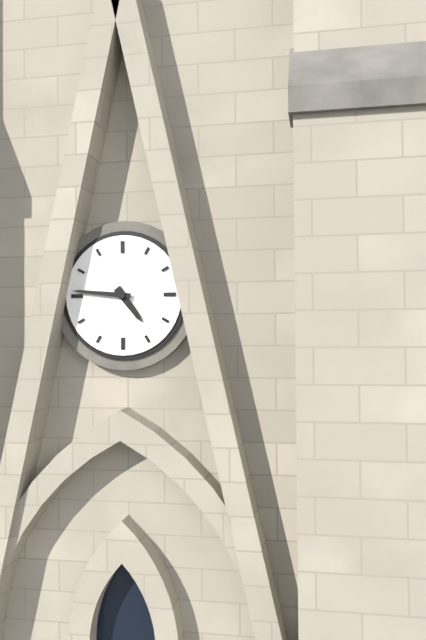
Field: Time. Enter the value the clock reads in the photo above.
4:46
